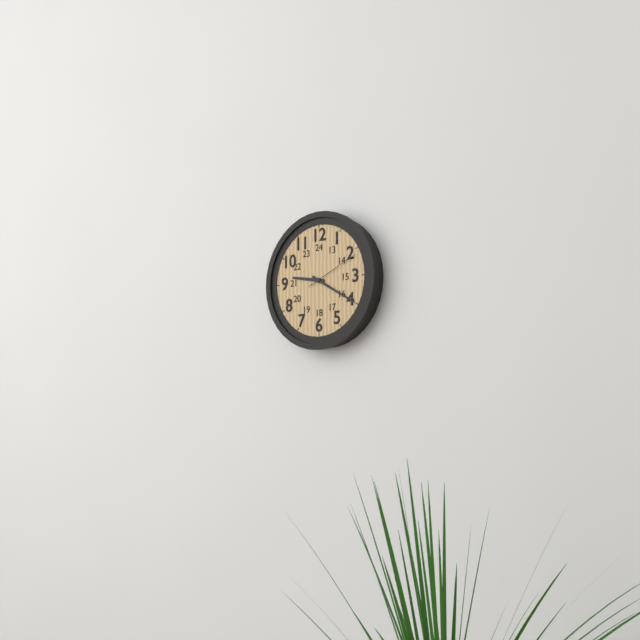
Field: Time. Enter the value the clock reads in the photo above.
9:20:11
